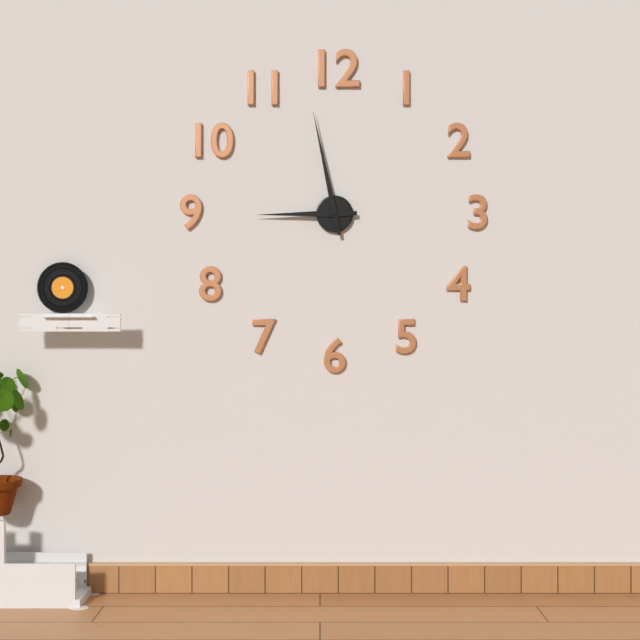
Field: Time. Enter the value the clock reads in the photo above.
8:58
